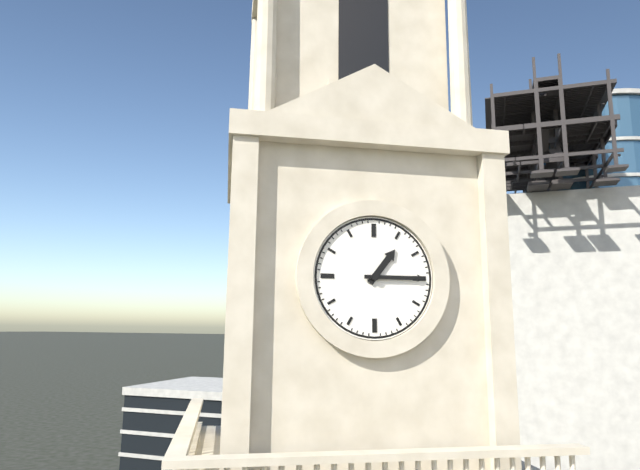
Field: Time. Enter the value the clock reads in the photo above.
1:15
